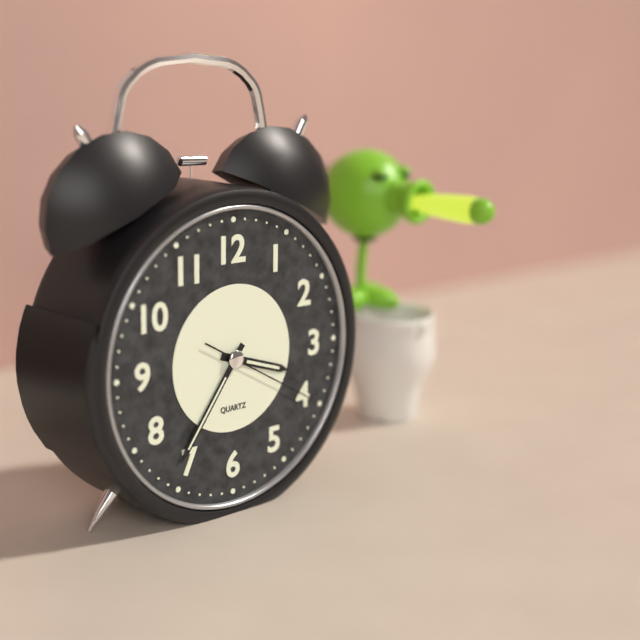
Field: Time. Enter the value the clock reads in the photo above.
3:36:20
